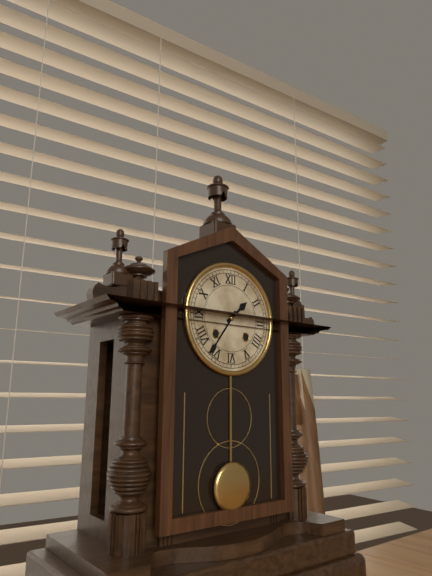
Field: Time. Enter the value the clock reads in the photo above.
1:36
